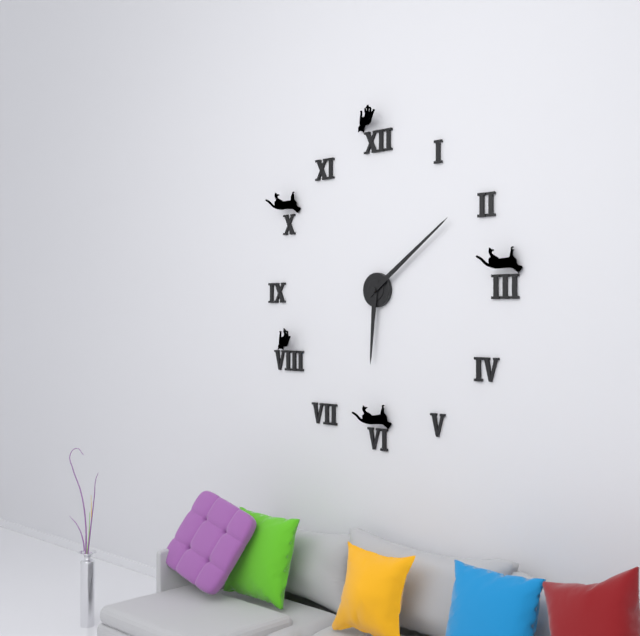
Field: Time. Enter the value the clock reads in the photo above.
6:09
